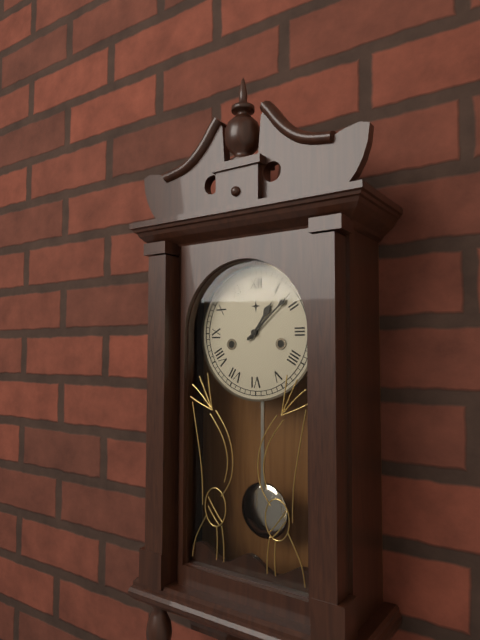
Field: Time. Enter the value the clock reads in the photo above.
1:08
